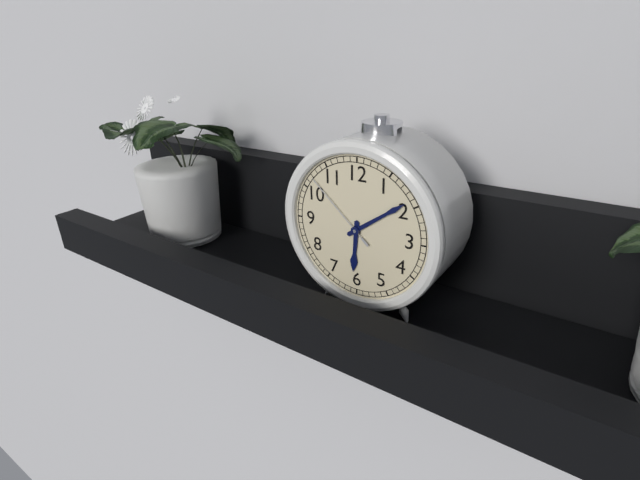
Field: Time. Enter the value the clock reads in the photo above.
6:09:52
